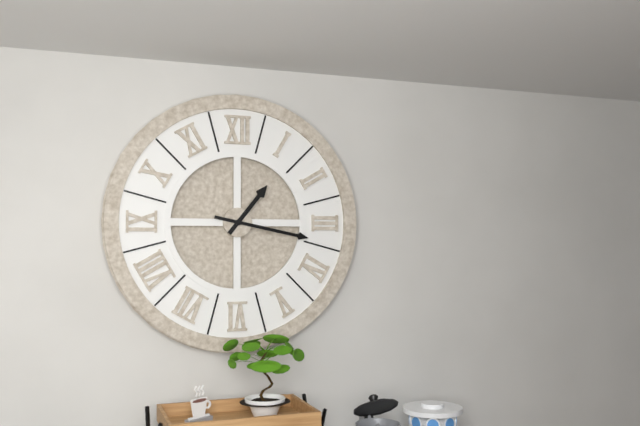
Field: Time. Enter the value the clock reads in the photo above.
1:17
